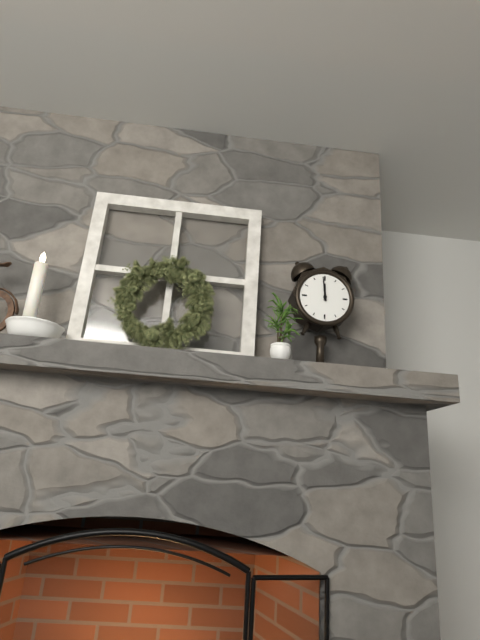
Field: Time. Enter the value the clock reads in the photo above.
11:59
